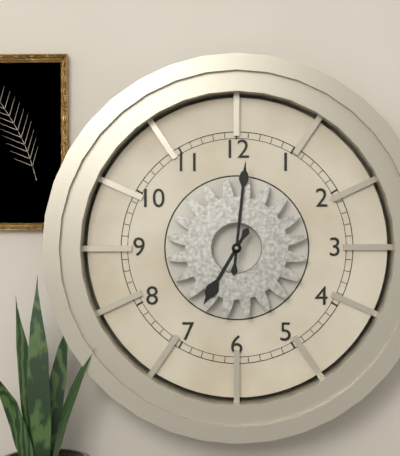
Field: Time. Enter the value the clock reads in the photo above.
7:01
